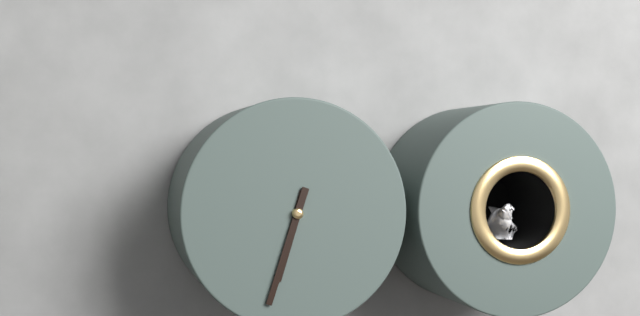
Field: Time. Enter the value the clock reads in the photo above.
6:33
